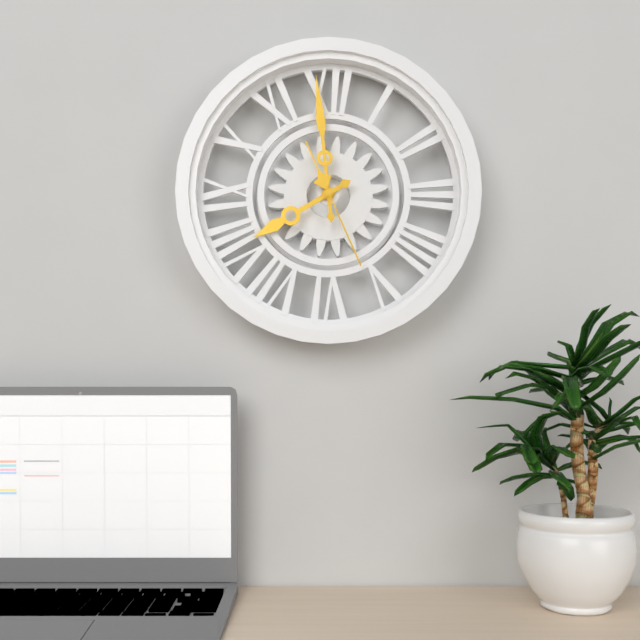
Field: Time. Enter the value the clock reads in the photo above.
7:59:26
